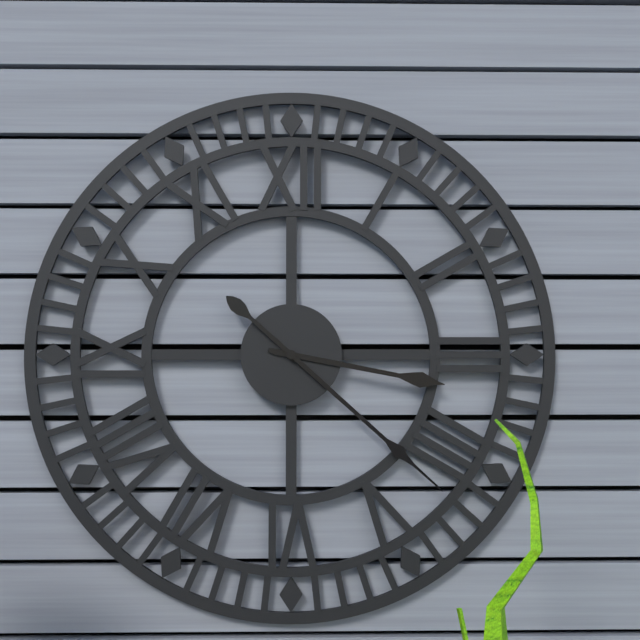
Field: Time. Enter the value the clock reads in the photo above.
3:22
